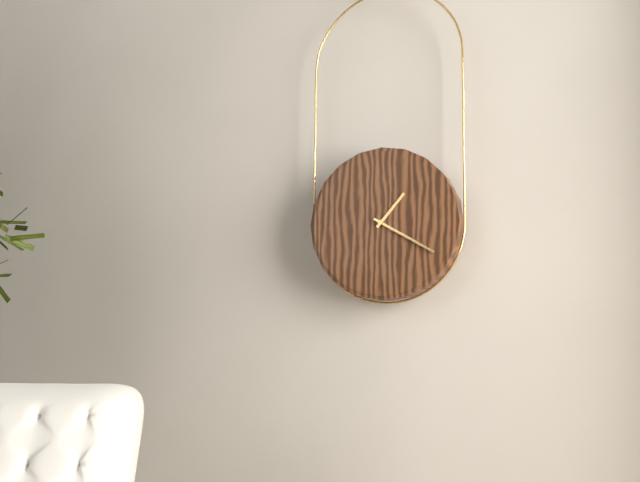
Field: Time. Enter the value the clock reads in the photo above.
1:20
